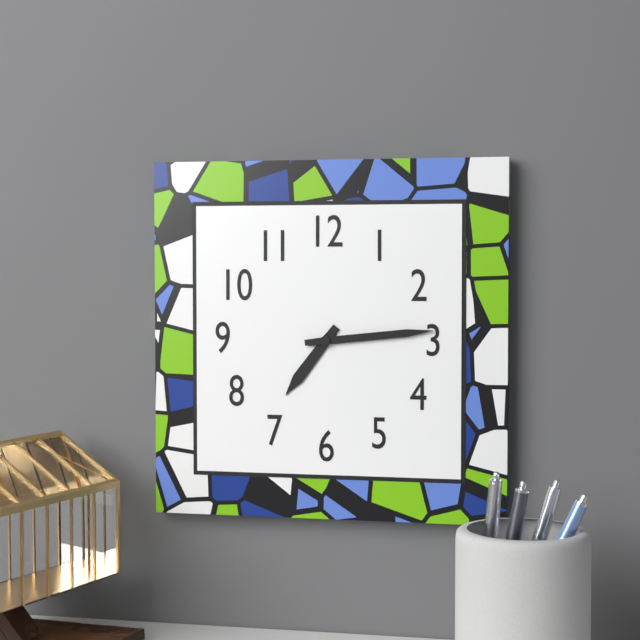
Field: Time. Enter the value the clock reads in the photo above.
7:14
